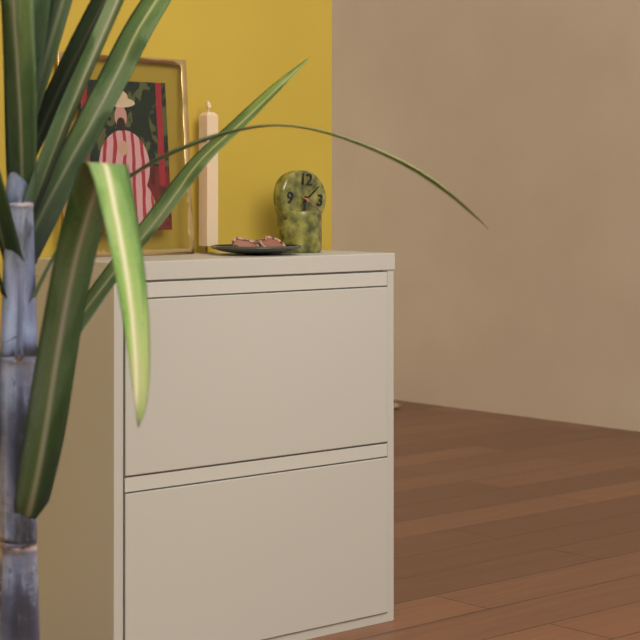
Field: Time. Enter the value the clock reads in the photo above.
6:08
